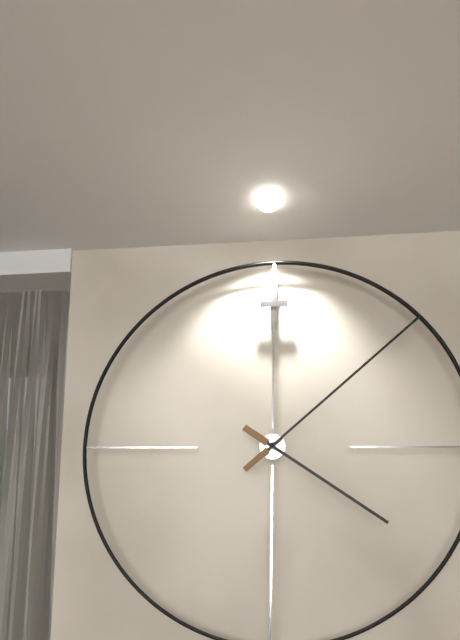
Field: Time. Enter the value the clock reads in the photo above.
4:08
